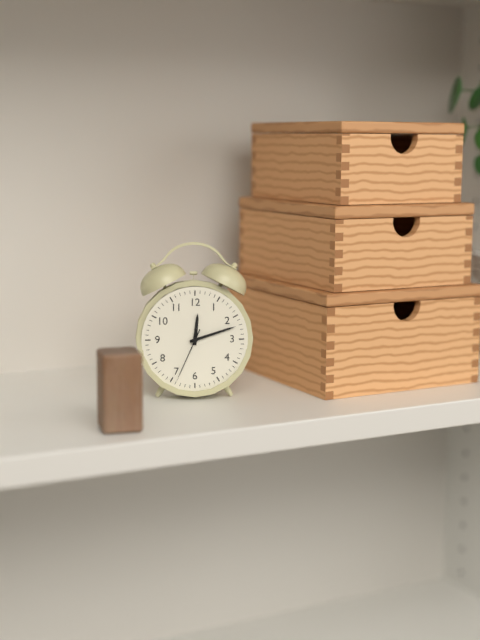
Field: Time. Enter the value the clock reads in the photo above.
12:12:34
